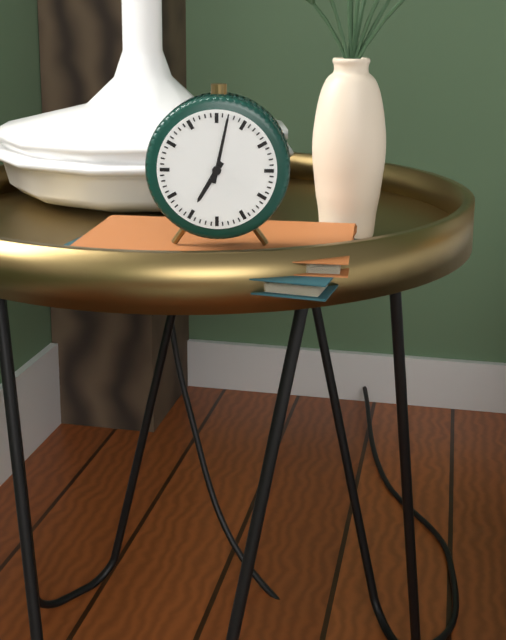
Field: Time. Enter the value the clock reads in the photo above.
7:02
